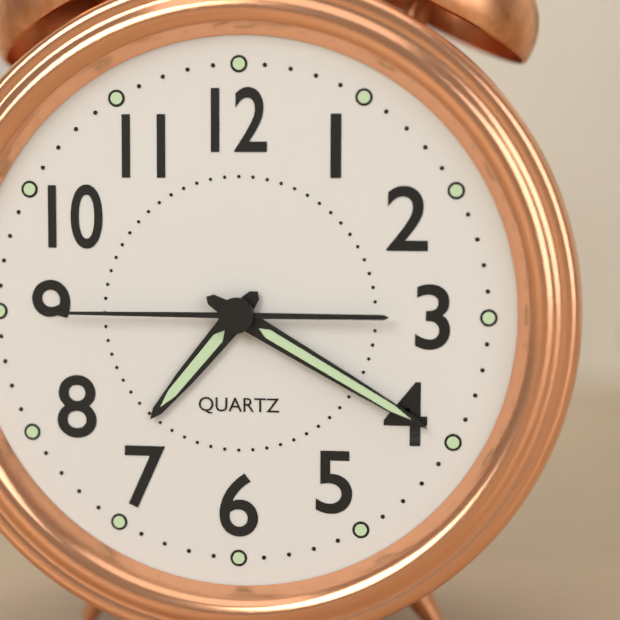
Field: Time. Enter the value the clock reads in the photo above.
7:20:45
